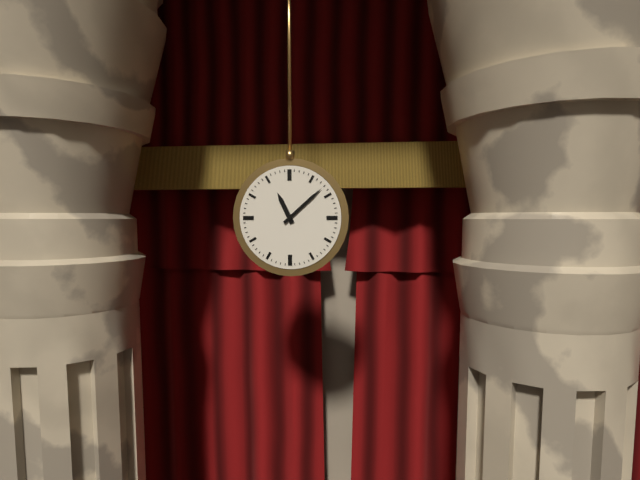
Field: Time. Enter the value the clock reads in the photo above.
11:08
